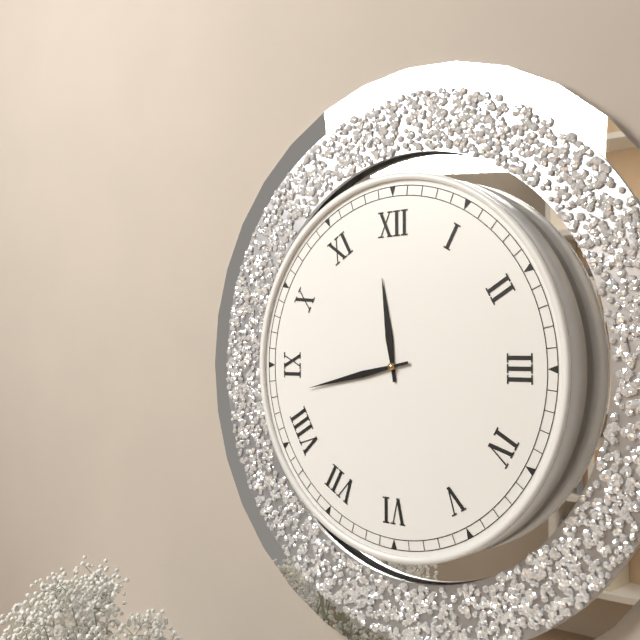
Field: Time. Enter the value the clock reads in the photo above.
11:43
